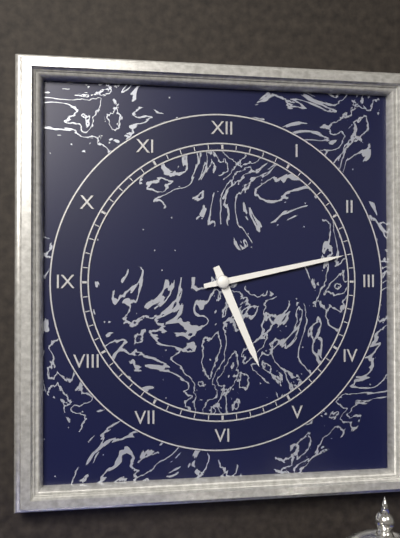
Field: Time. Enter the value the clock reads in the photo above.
5:13
